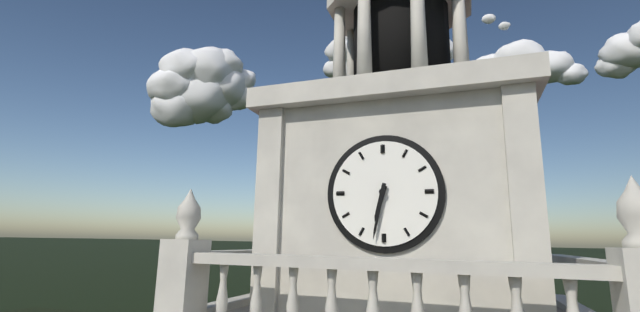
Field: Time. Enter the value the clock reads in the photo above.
6:32
